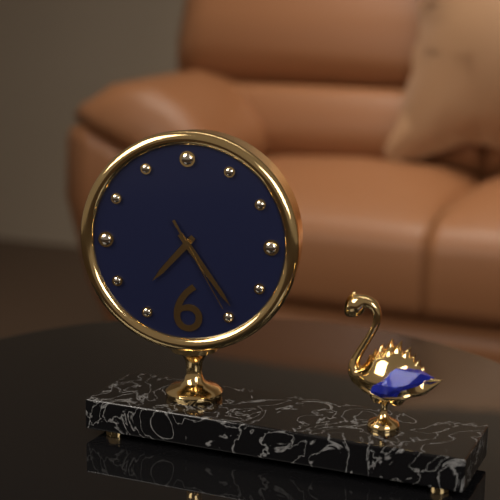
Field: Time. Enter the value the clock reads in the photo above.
7:24:25
